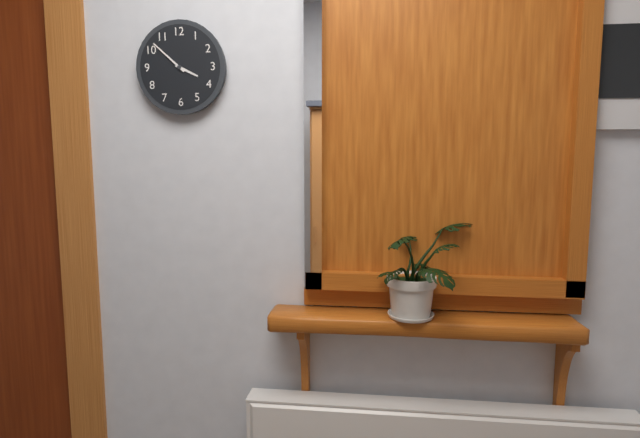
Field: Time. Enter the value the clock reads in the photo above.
3:52
